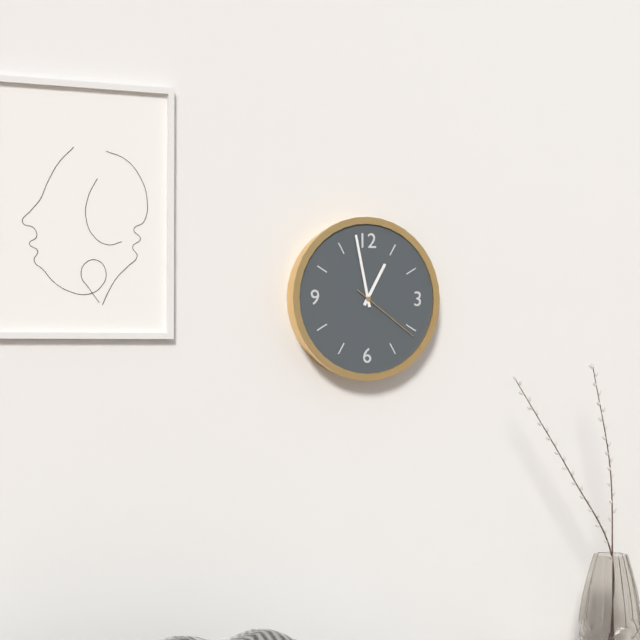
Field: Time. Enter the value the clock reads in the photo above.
12:58:21
